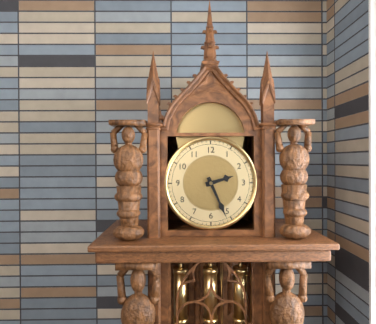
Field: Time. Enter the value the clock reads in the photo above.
2:26
